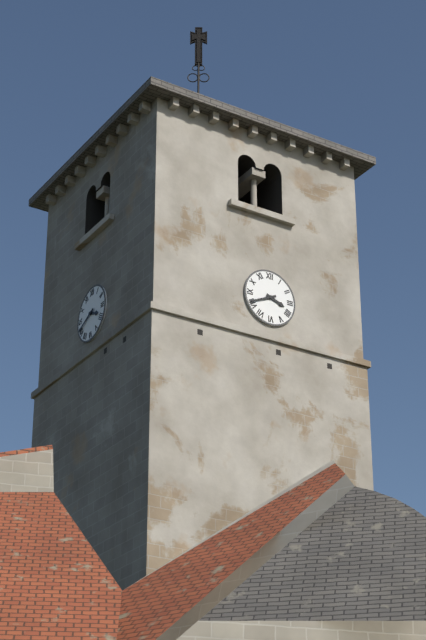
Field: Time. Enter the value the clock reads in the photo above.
3:41
